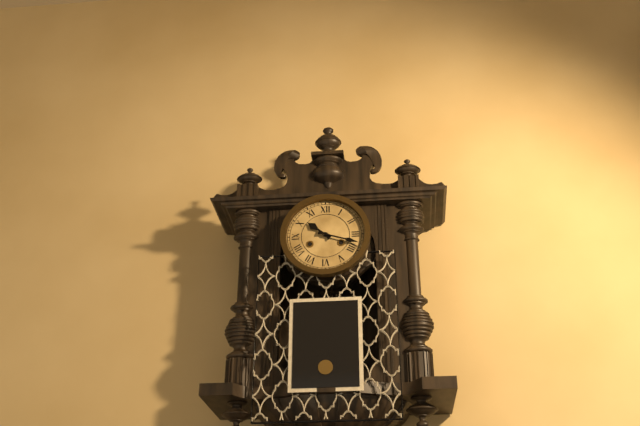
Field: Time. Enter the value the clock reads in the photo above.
10:18
